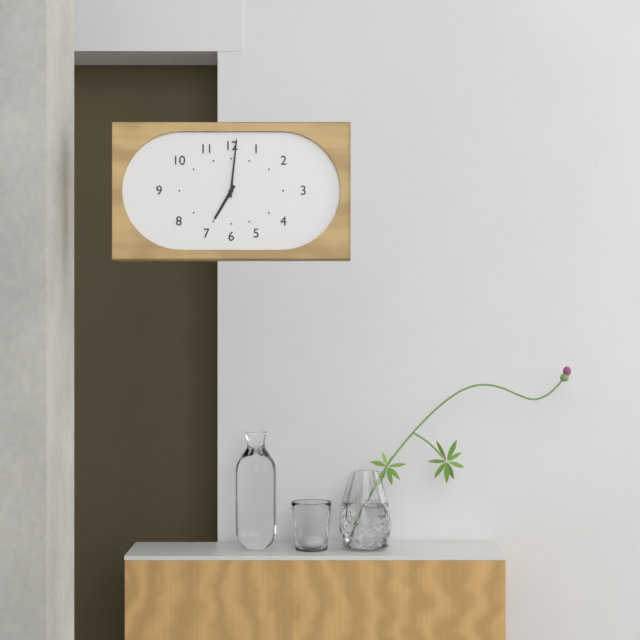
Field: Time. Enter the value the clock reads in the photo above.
7:01
